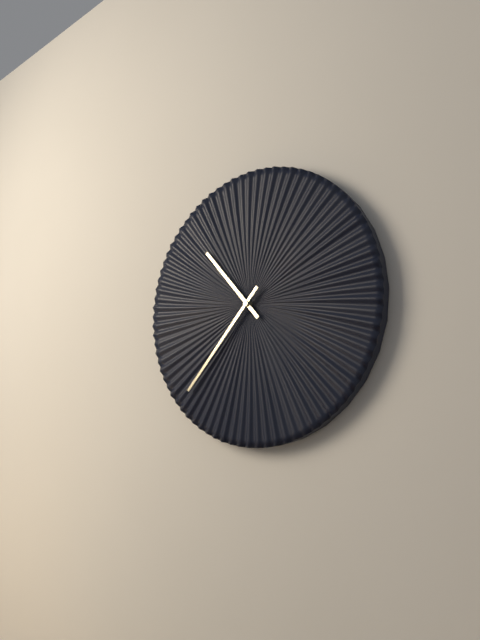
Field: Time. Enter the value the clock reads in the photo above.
10:37
